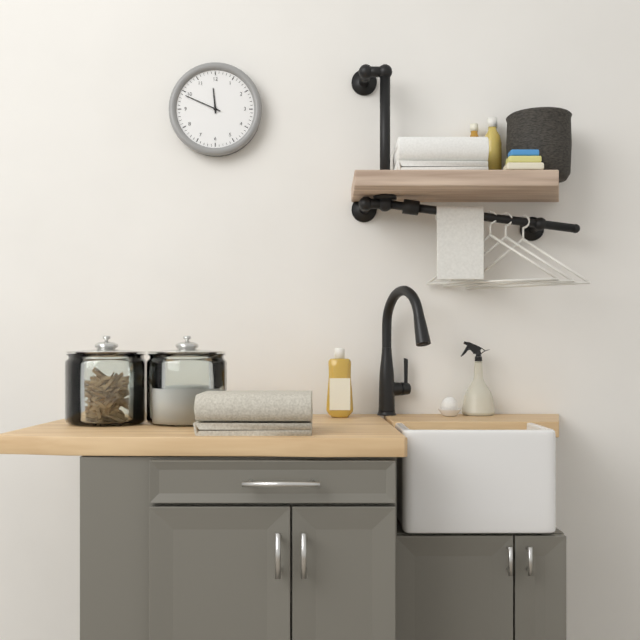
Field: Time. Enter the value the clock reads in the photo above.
11:49
